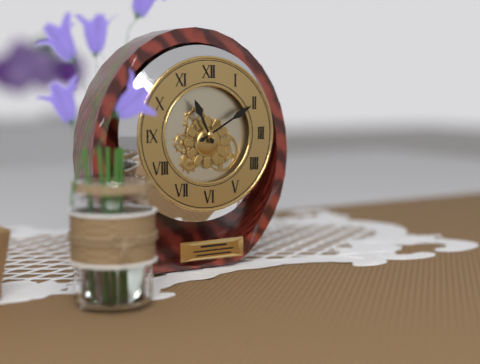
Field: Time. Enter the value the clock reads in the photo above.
11:10
